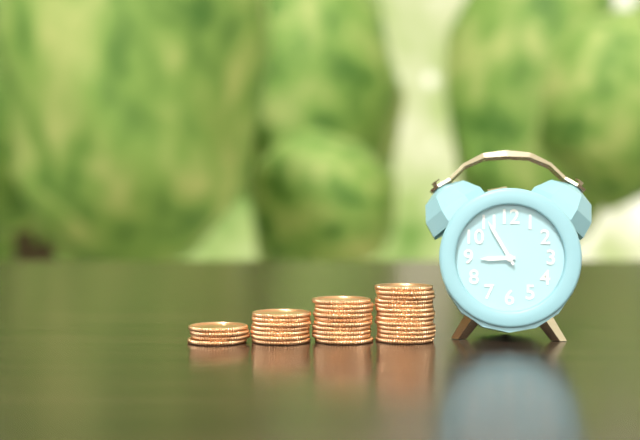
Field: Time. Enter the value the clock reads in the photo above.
8:55
